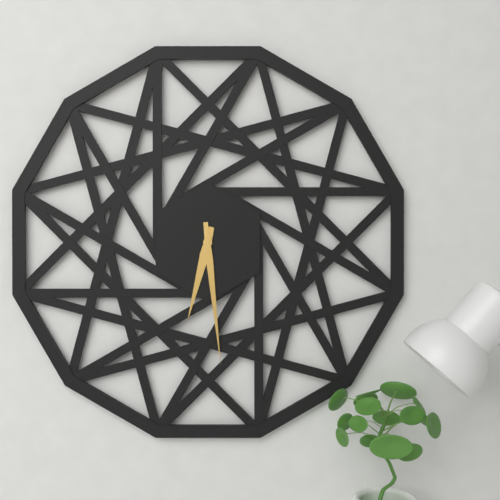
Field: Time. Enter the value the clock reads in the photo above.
6:29
